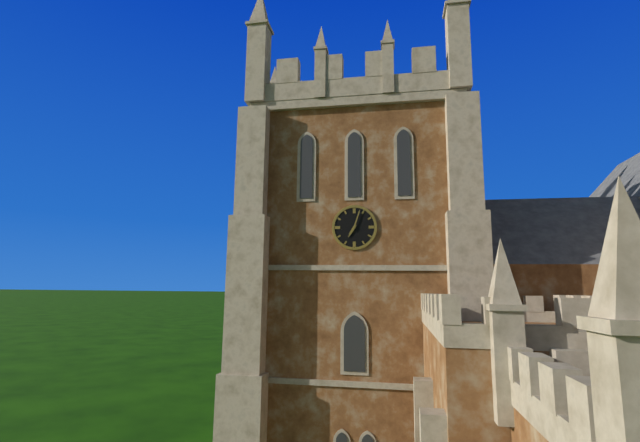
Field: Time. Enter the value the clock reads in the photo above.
7:03
